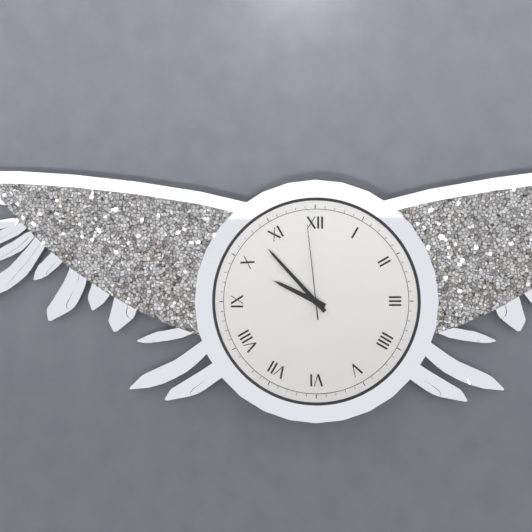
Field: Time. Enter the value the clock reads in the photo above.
9:53:59
